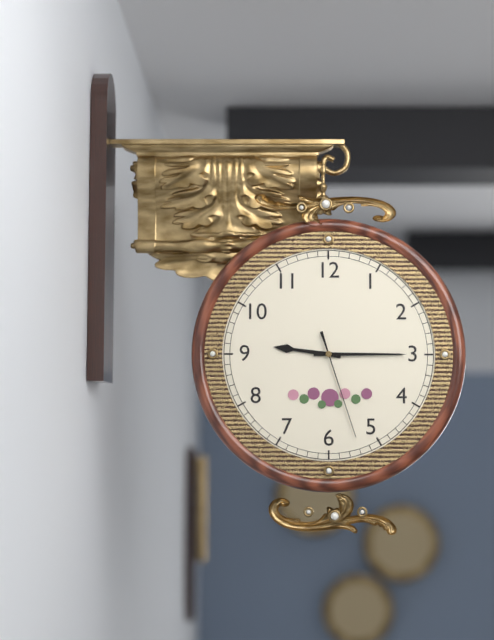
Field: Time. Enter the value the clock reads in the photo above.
9:15:27
